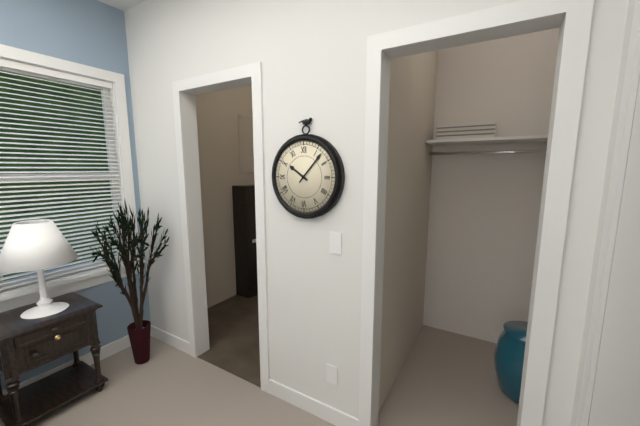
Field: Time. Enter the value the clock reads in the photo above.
10:07
